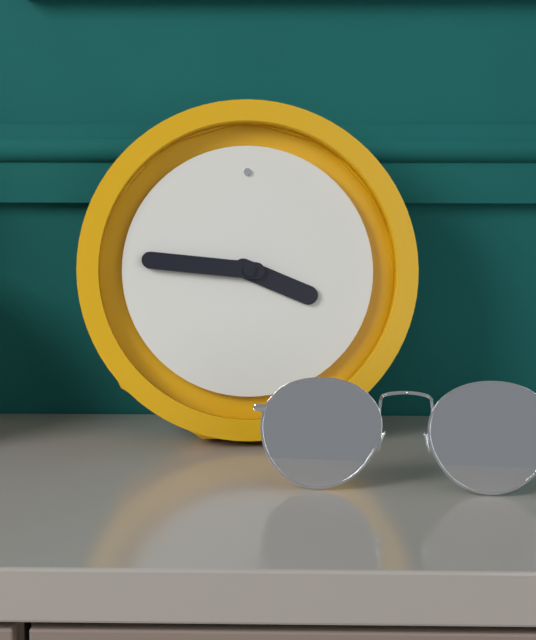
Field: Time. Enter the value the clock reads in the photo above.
3:46
